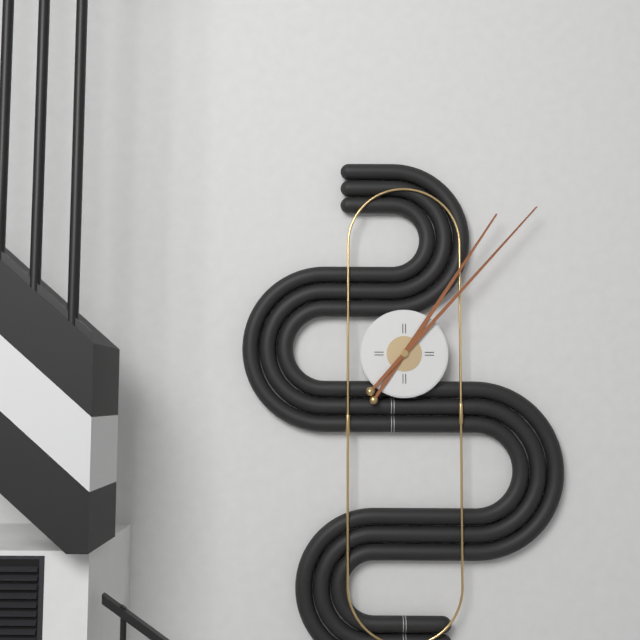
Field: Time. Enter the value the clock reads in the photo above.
1:07
